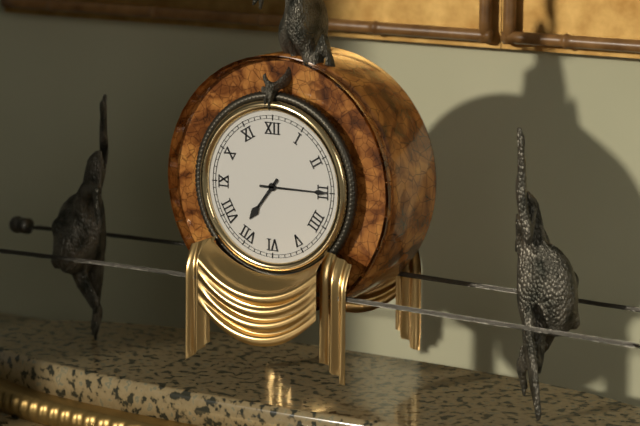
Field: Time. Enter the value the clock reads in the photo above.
7:15
